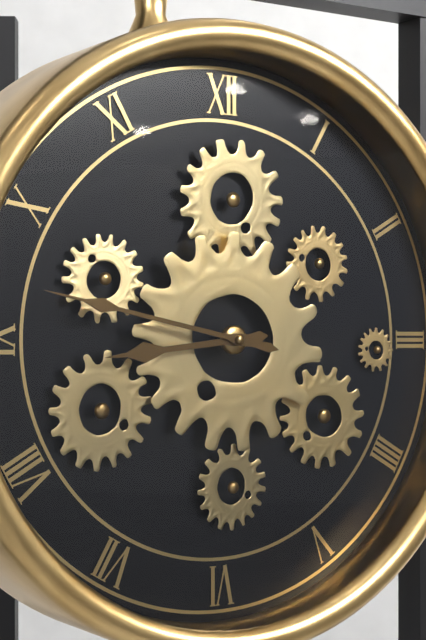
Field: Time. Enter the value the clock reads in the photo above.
8:47
